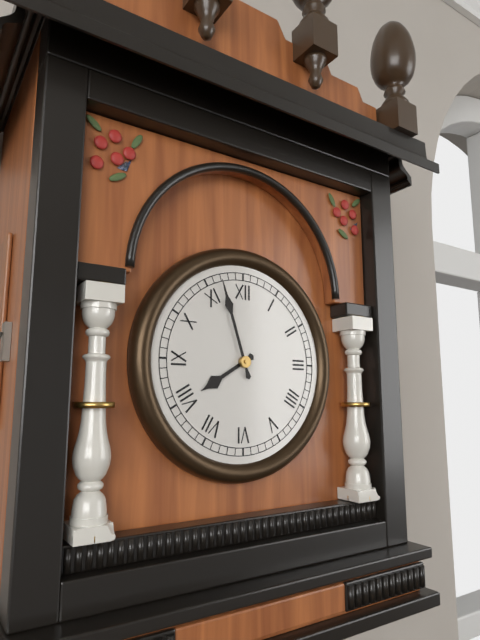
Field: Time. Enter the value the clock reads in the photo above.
7:57
